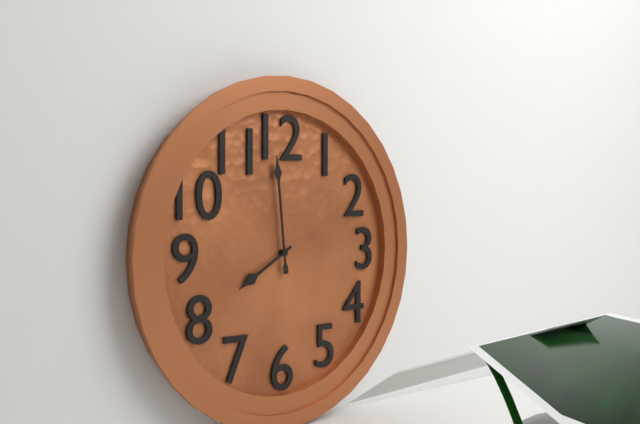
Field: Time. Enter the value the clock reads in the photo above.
7:59
